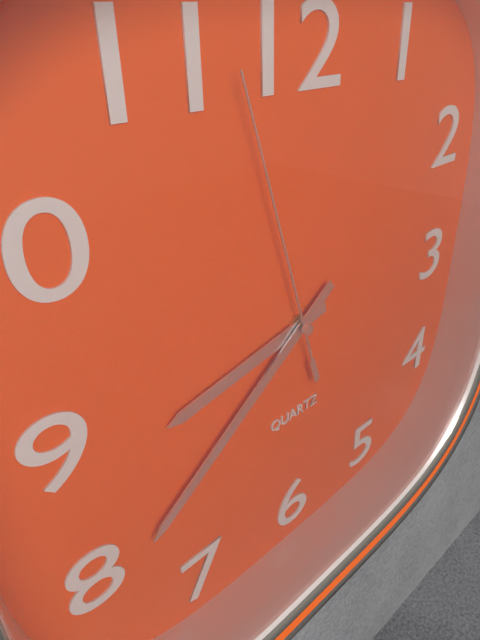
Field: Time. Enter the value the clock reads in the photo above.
8:39:57
